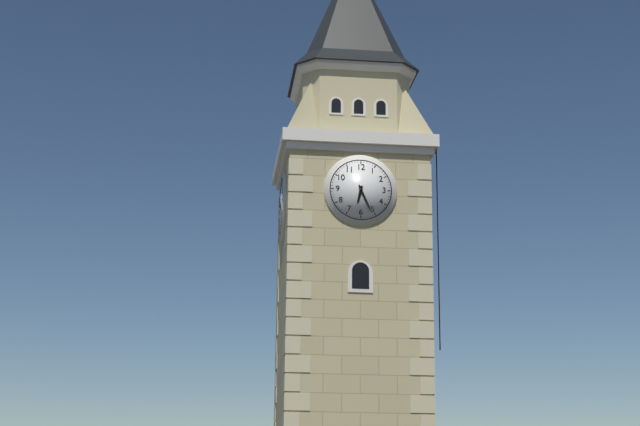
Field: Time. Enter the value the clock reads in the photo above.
6:26
